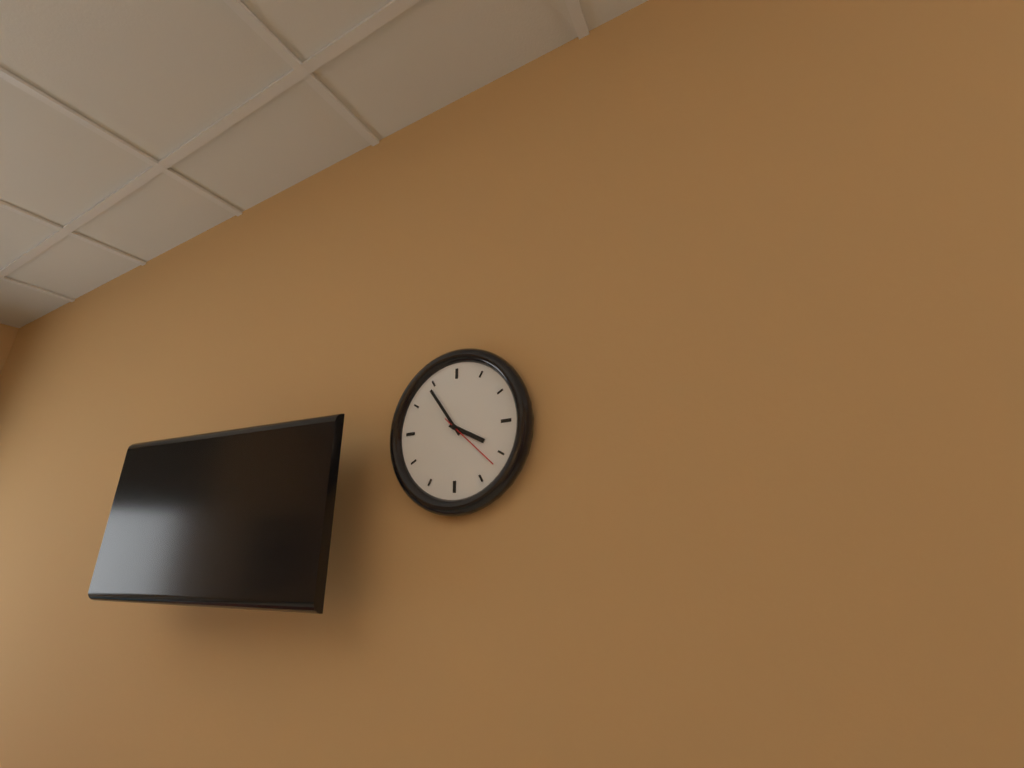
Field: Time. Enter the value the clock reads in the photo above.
3:54:22
